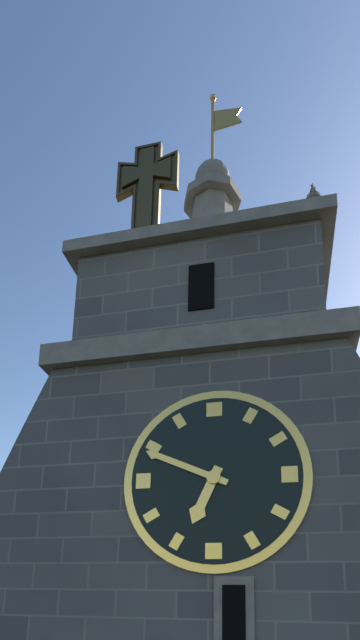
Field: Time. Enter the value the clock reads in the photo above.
6:49
